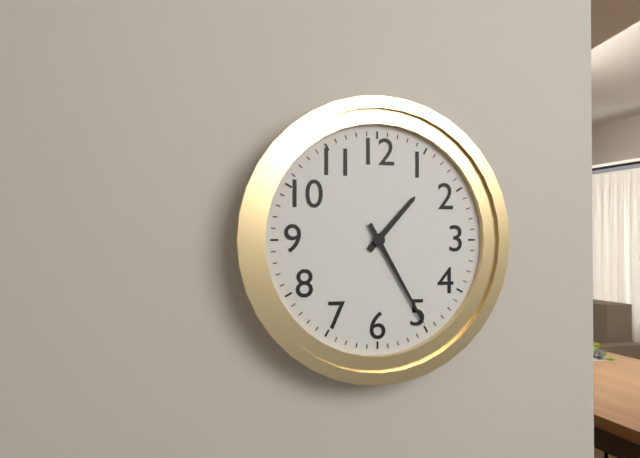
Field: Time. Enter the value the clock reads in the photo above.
1:25
